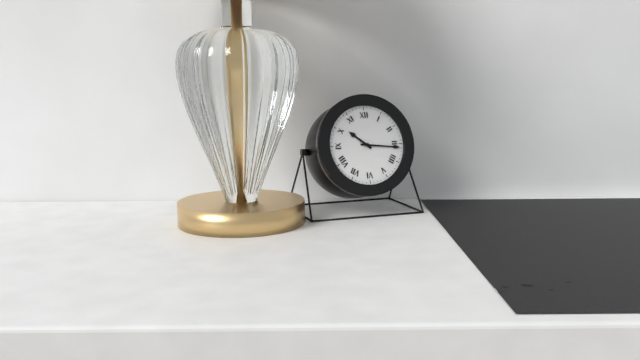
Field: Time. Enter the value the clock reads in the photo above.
10:16
